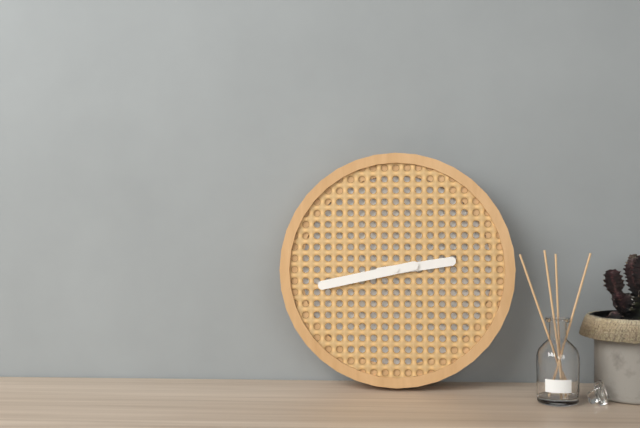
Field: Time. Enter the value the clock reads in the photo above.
2:43
